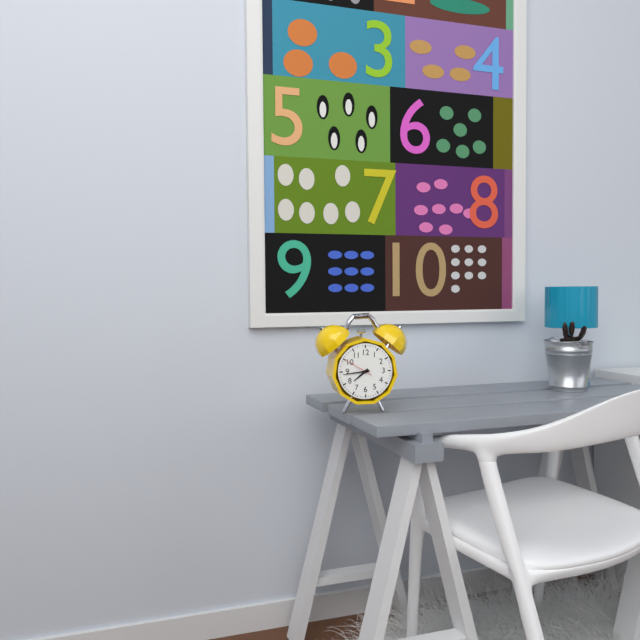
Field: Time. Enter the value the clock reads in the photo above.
7:44
